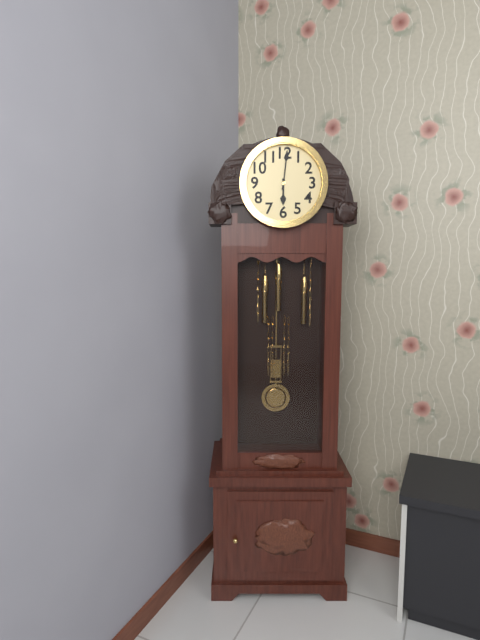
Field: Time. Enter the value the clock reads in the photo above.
6:01
